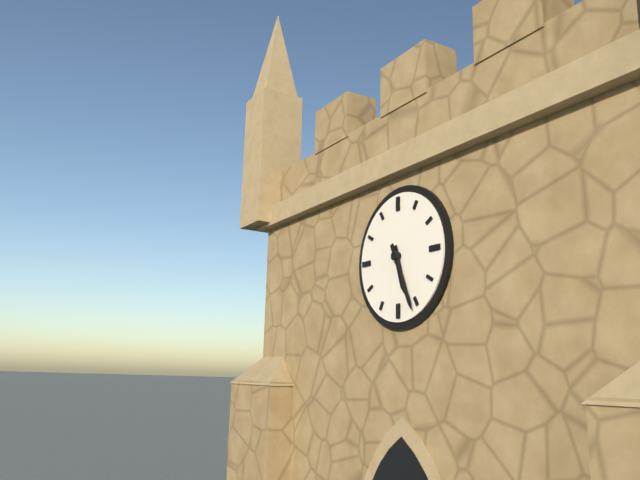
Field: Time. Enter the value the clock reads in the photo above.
5:26
